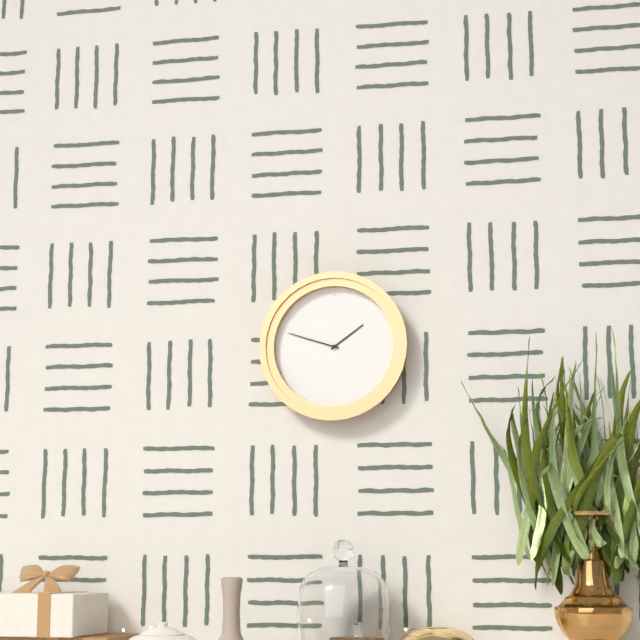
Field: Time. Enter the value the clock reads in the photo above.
1:48
